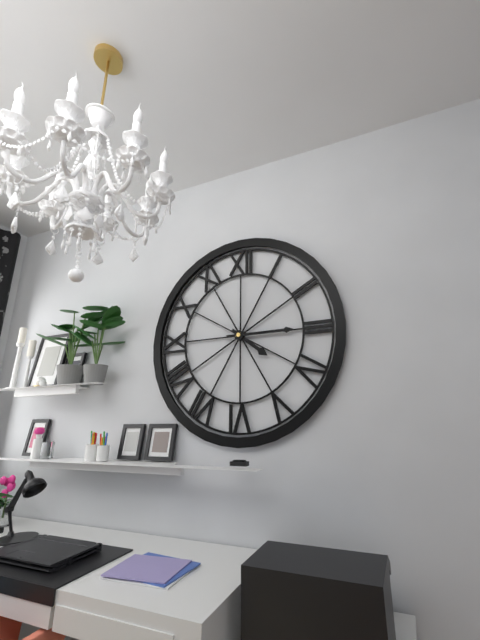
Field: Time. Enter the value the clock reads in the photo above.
4:15
